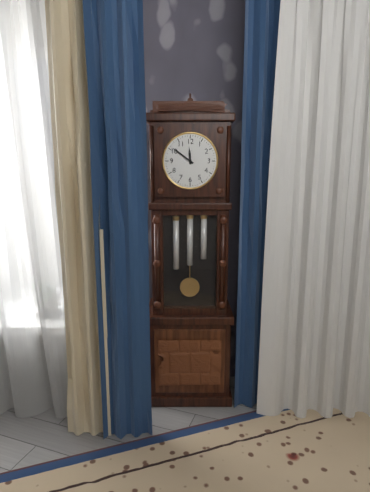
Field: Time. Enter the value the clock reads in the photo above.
11:51
